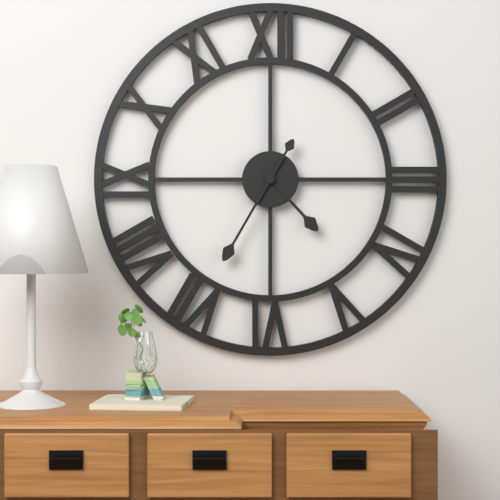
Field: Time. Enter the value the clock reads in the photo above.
4:35
